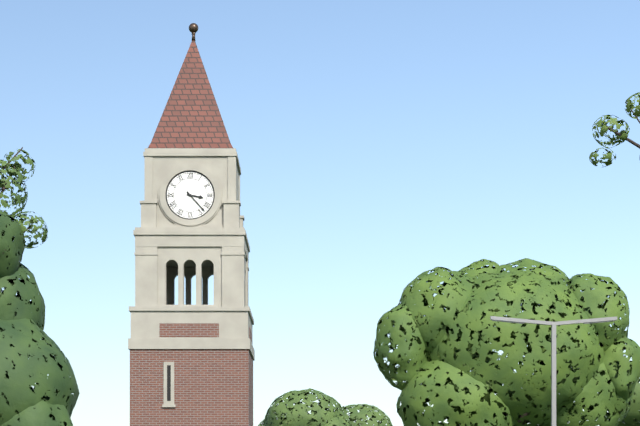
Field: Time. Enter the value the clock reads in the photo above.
3:23
